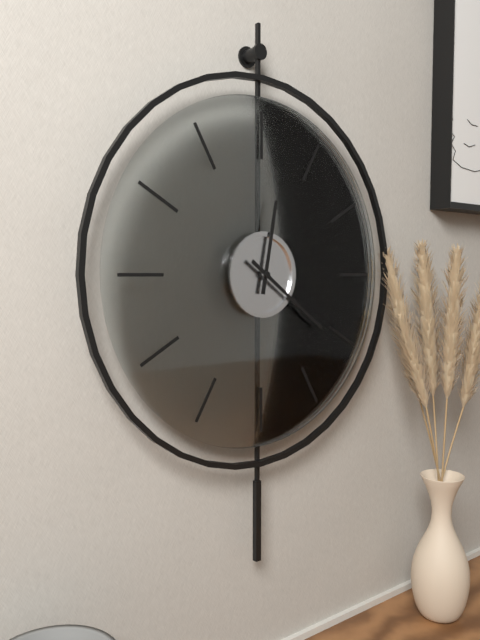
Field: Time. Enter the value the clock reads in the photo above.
12:21
